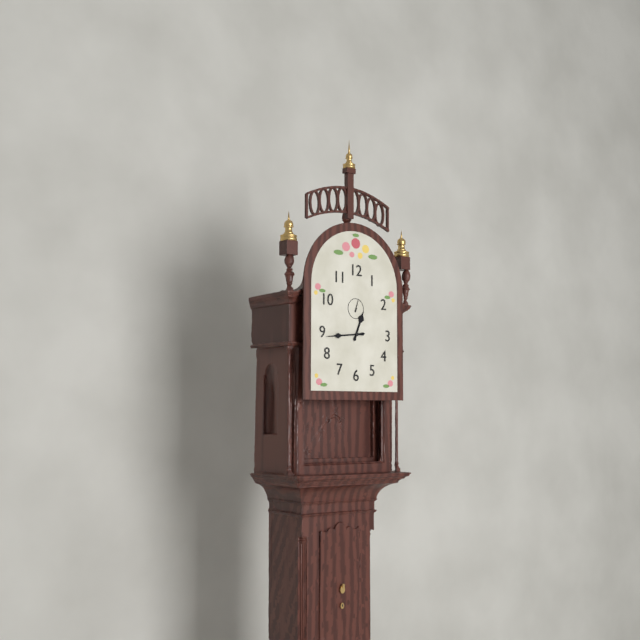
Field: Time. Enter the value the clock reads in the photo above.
12:44
